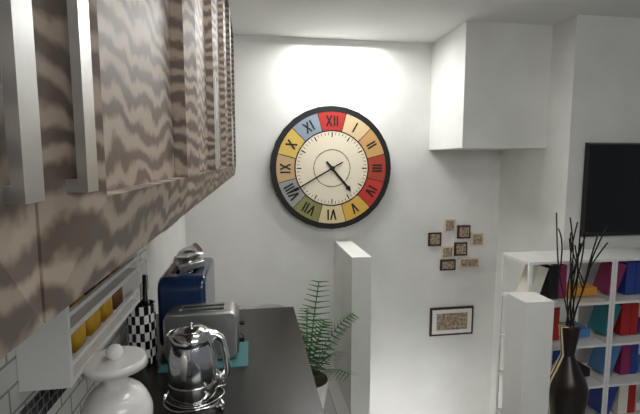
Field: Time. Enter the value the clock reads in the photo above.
4:40
